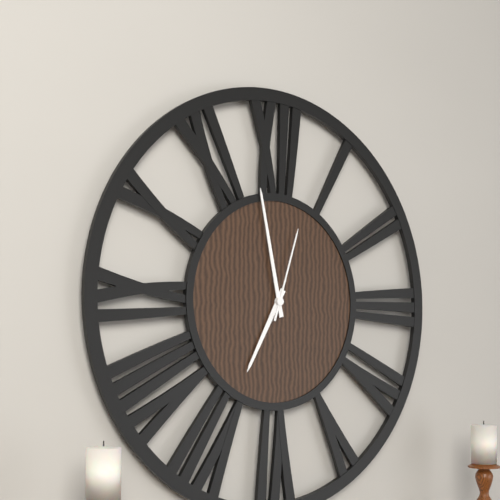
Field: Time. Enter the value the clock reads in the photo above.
6:58:03
